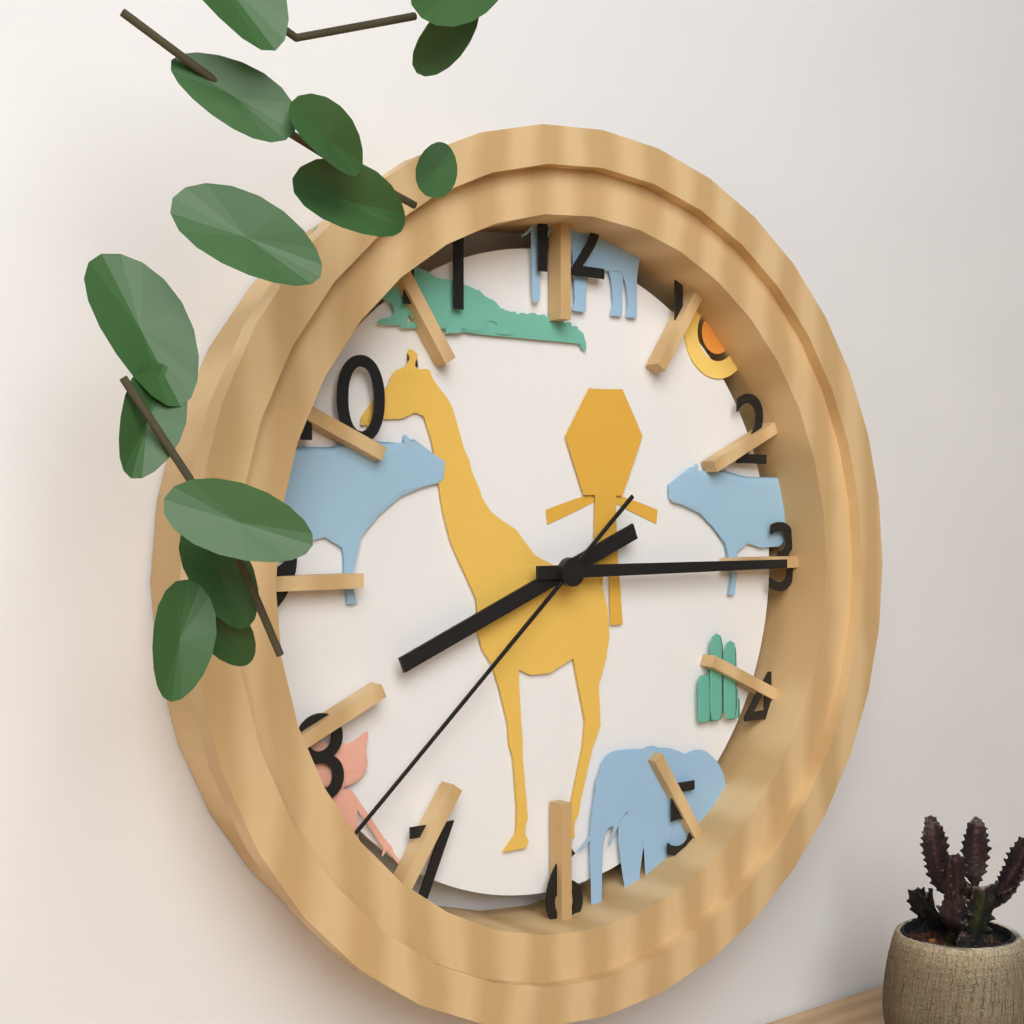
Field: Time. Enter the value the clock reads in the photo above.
8:15:38
